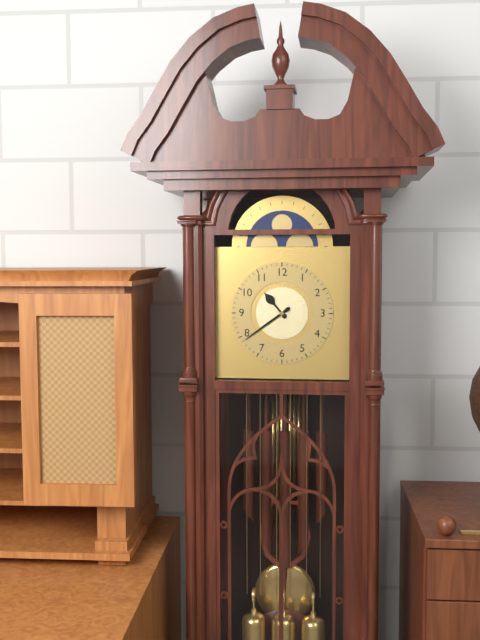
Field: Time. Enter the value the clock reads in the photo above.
10:39
